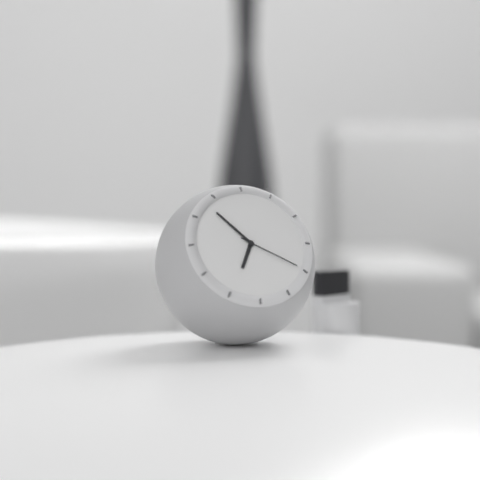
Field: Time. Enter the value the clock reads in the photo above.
6:53:20
